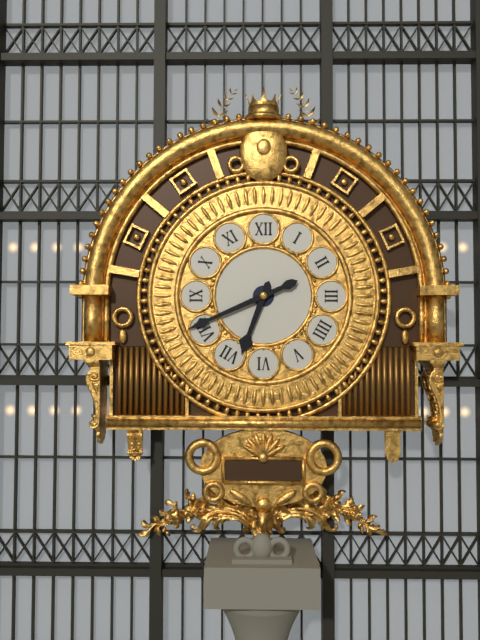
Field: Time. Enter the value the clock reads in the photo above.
6:41
